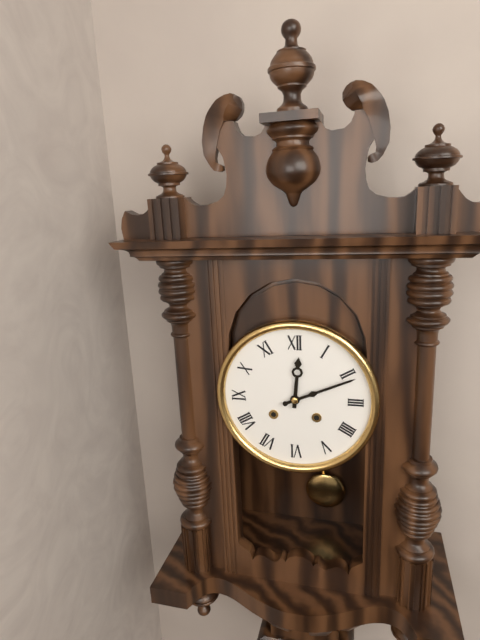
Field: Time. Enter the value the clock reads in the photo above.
12:11
